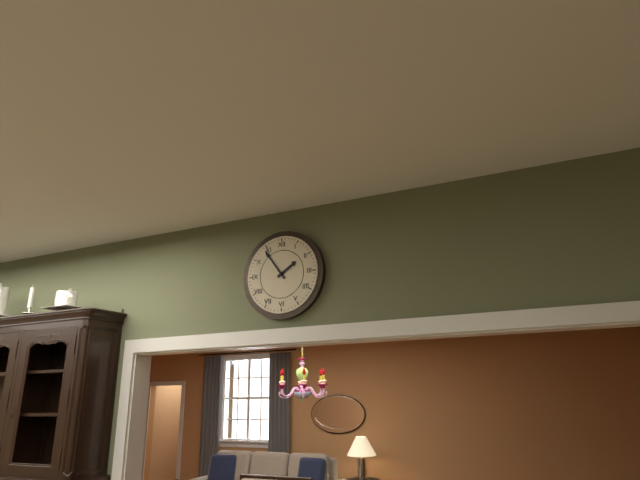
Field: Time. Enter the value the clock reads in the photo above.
1:54
